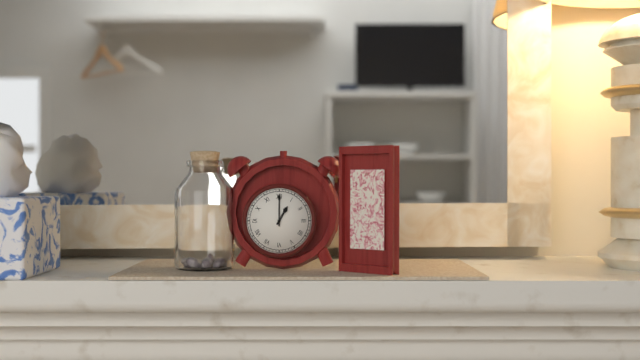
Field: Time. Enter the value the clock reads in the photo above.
1:00
